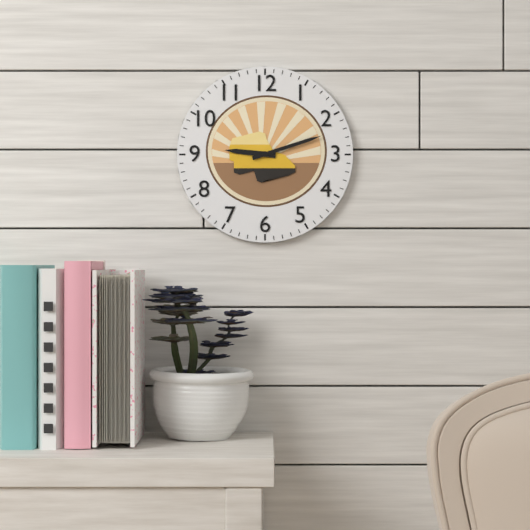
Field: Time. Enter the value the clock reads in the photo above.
9:12
